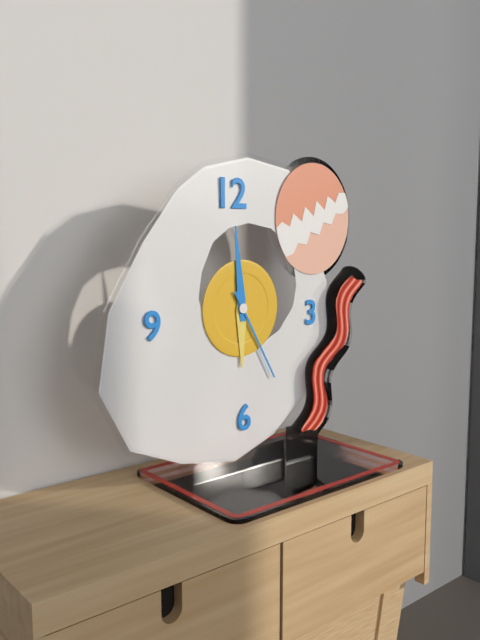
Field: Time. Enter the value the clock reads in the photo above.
5:59:25
